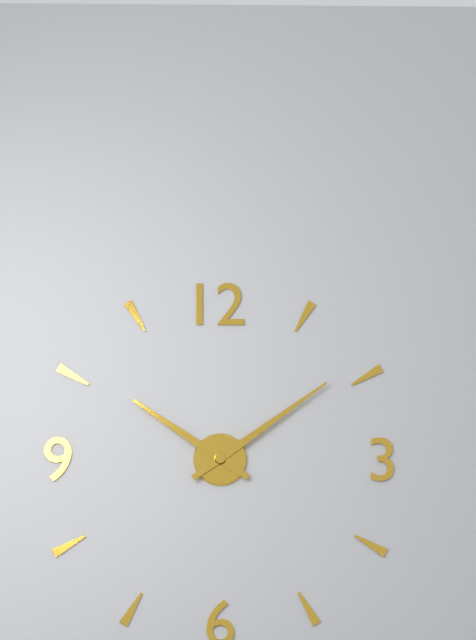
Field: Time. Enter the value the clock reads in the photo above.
10:09
